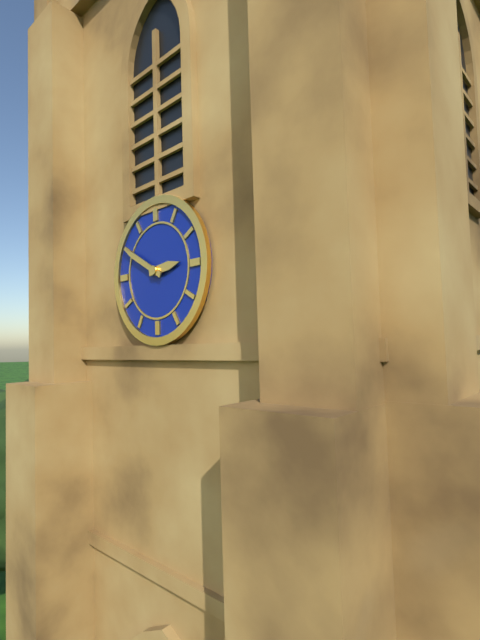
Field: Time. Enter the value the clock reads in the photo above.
2:50
